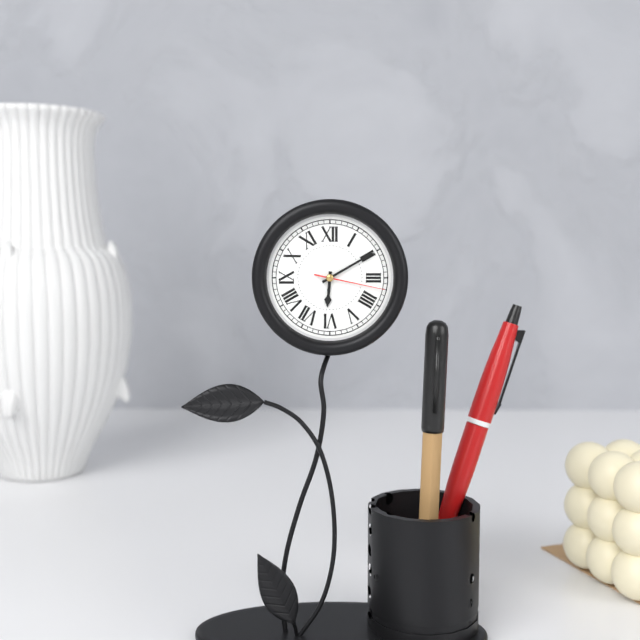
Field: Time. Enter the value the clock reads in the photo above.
6:10:17
